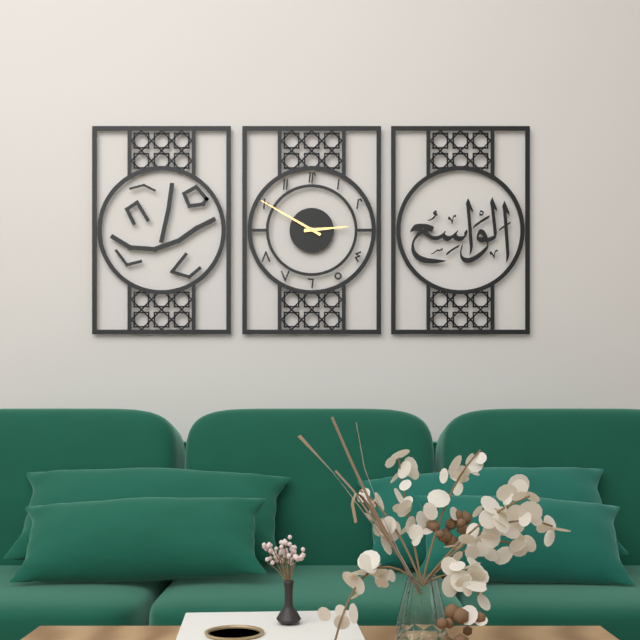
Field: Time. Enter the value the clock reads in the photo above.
2:50
